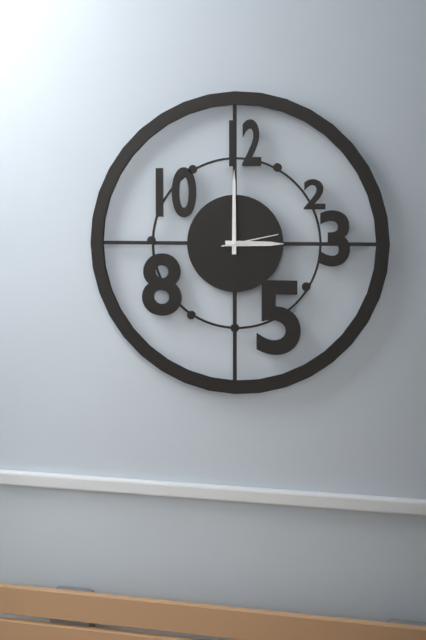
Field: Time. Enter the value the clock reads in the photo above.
3:00:13
